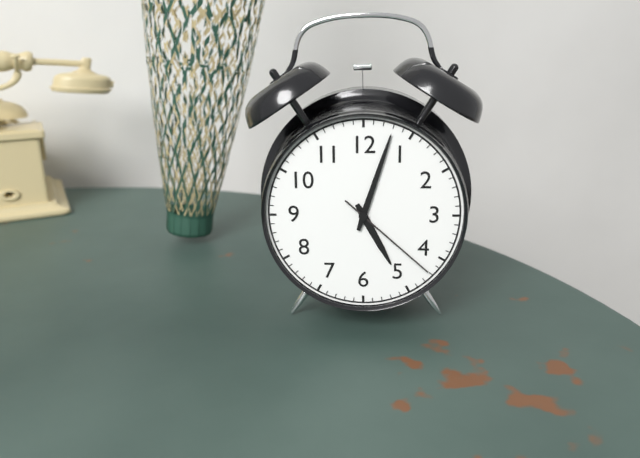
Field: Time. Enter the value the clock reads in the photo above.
5:03:22
